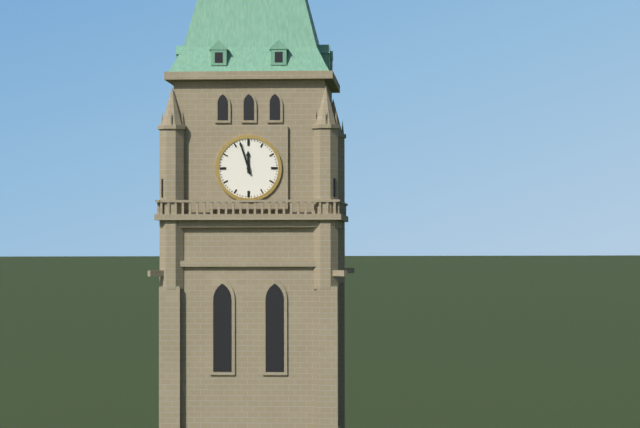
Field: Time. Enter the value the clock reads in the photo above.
11:57
